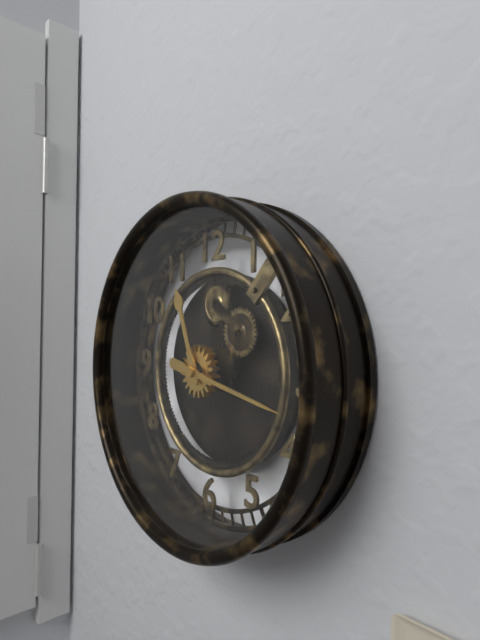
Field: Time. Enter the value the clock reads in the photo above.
11:17
